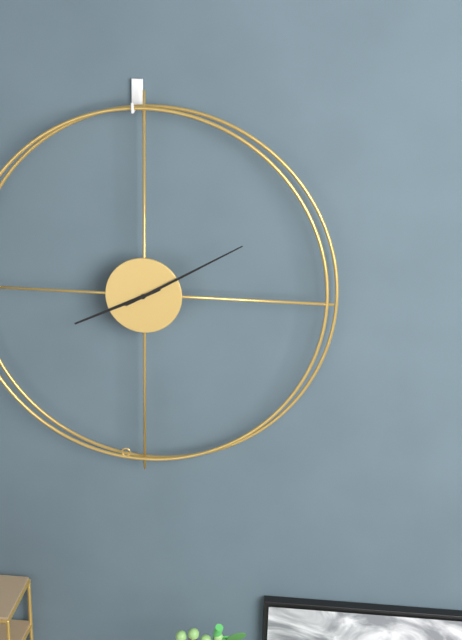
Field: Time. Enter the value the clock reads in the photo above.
8:10
